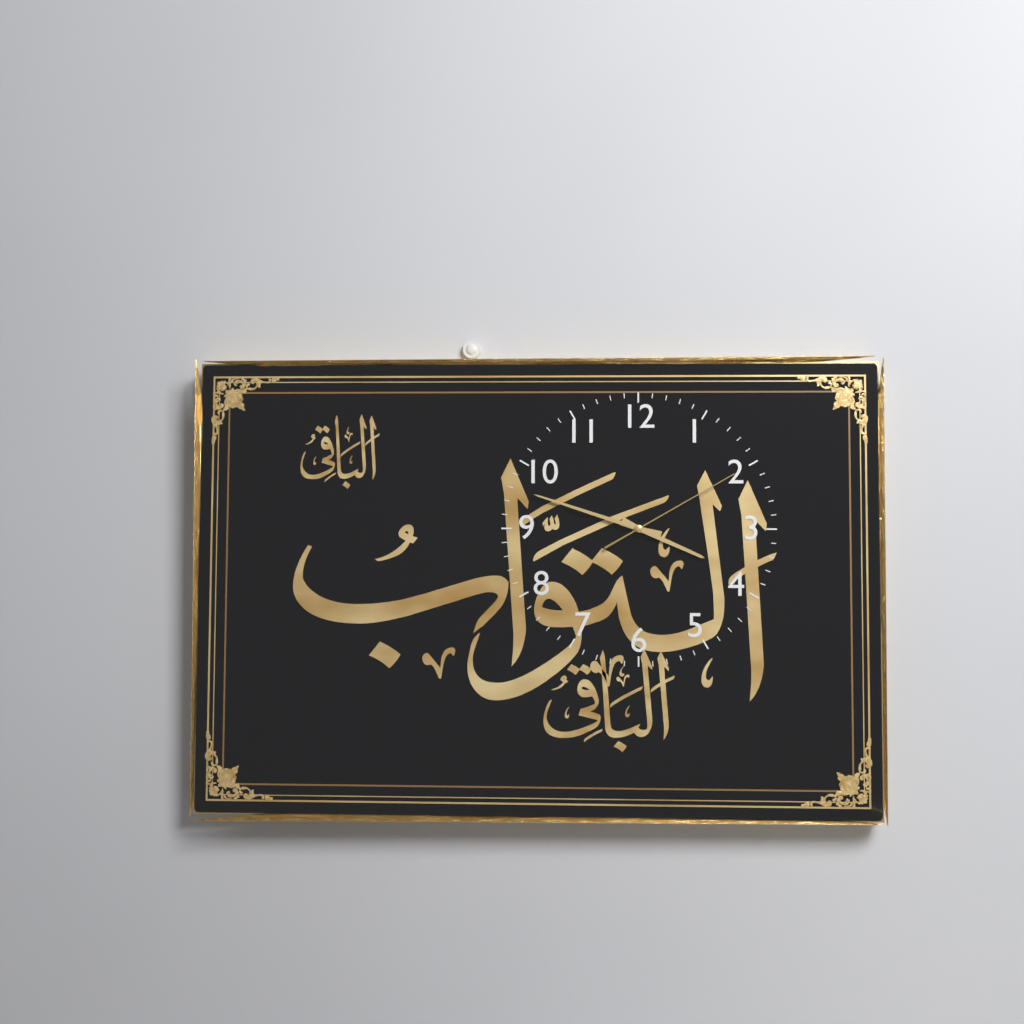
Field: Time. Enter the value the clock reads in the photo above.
3:48:10
